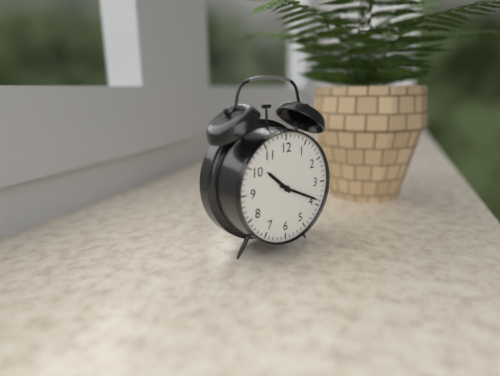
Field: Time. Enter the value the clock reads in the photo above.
10:19
